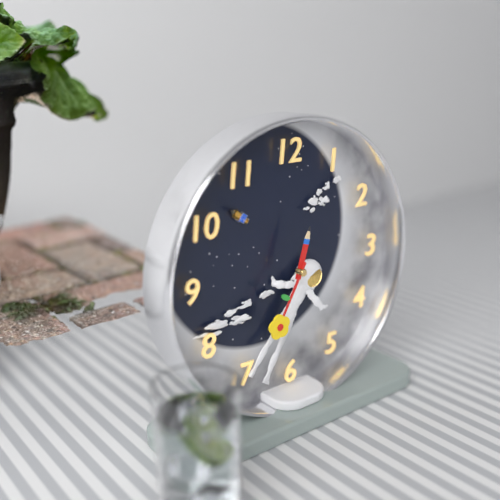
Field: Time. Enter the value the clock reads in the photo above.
12:35
